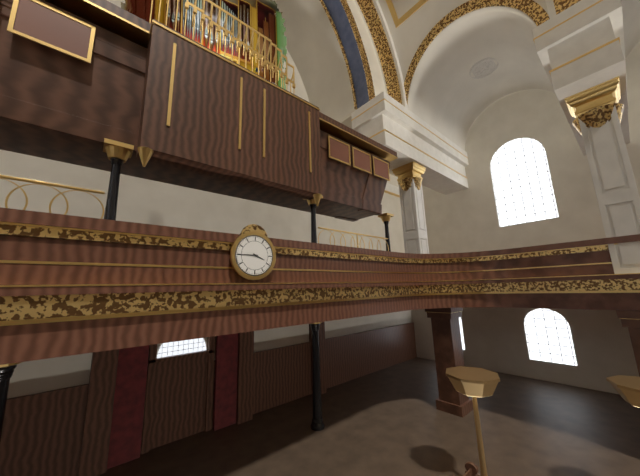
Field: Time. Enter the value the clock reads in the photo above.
3:45
